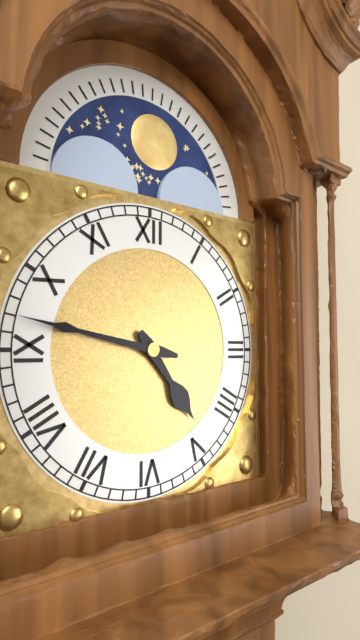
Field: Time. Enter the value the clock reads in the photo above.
4:47
